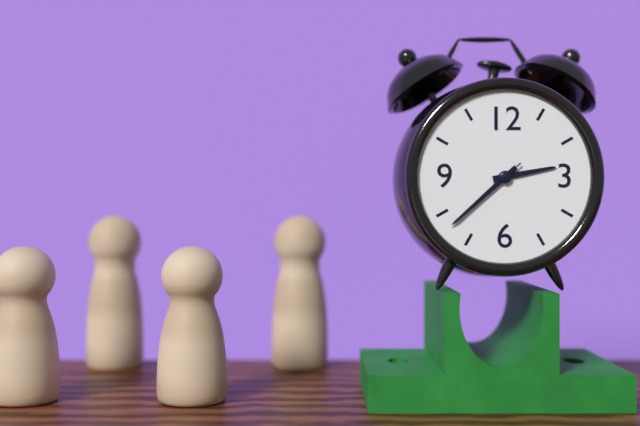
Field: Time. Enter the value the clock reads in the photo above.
2:38:38
